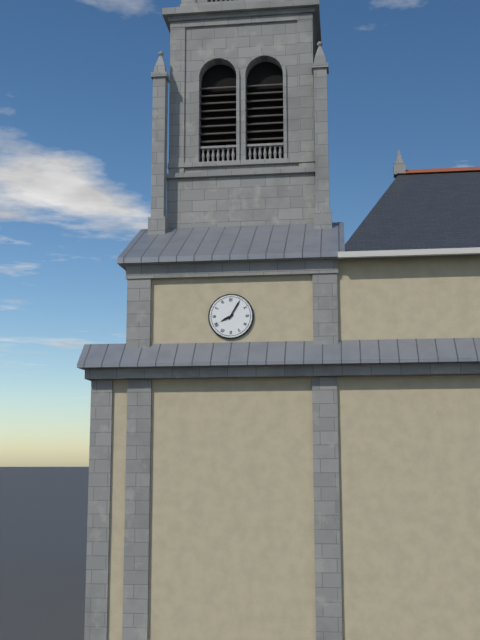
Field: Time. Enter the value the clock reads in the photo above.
8:05
